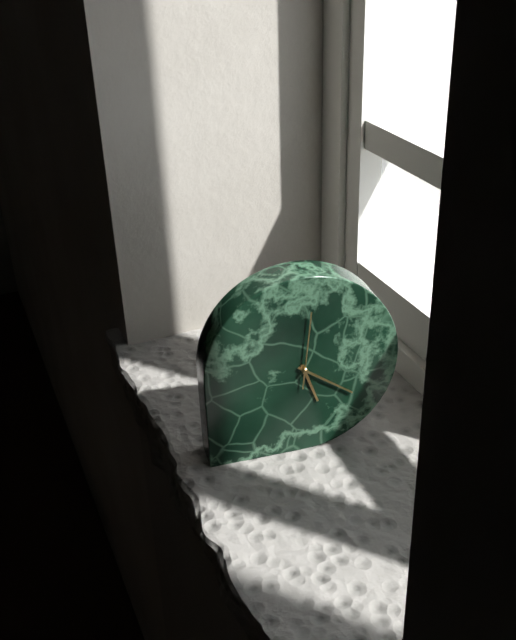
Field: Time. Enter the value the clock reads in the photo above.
5:21:01
